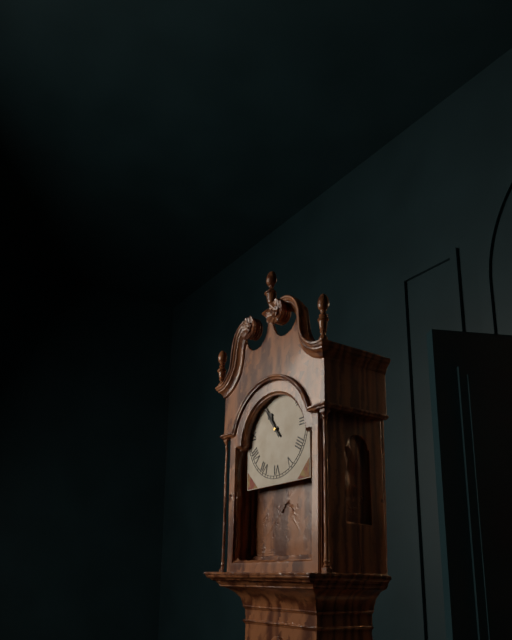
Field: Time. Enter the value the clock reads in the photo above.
10:54
